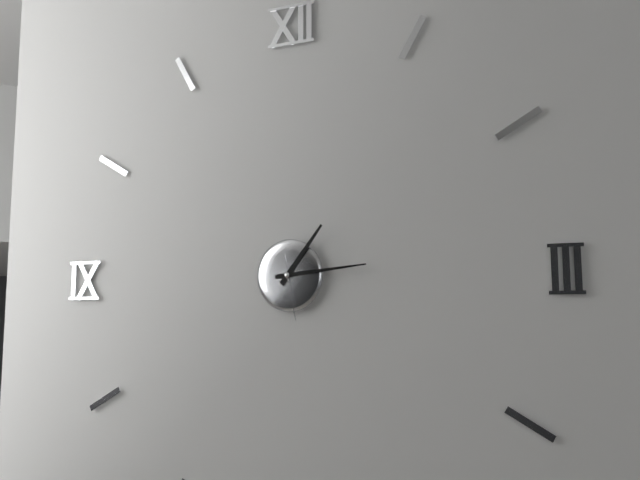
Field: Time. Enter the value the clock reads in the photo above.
1:14:28
